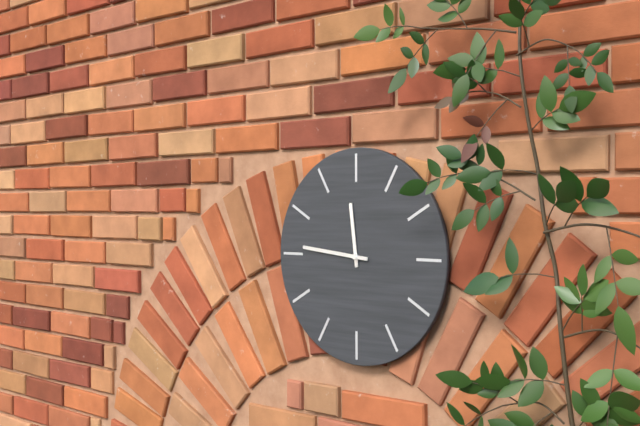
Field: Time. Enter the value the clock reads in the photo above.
11:46
